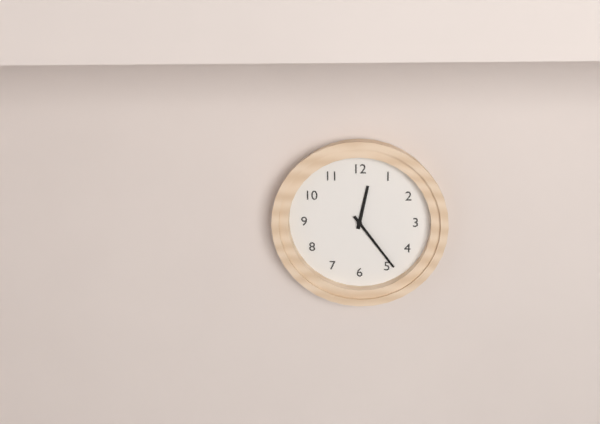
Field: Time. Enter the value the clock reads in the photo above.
12:24
